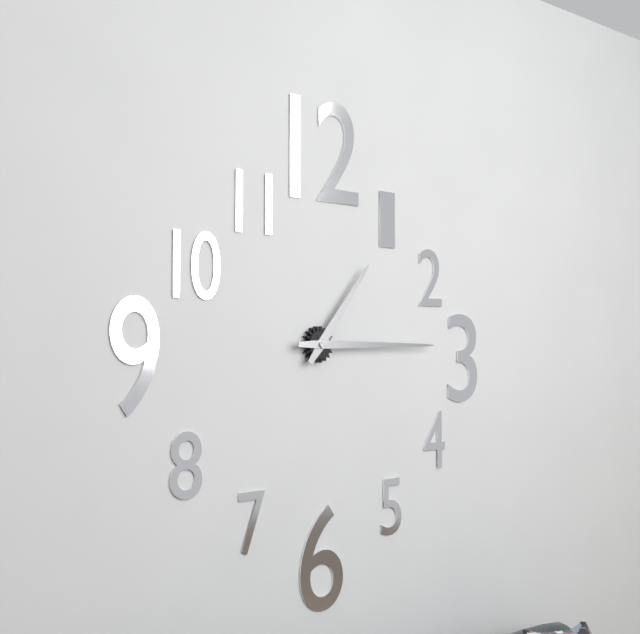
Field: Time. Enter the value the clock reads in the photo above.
1:15
